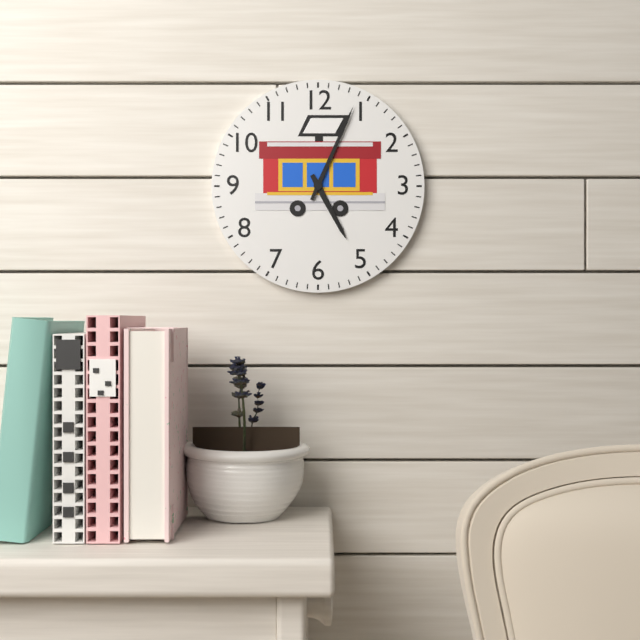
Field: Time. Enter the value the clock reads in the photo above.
5:04
